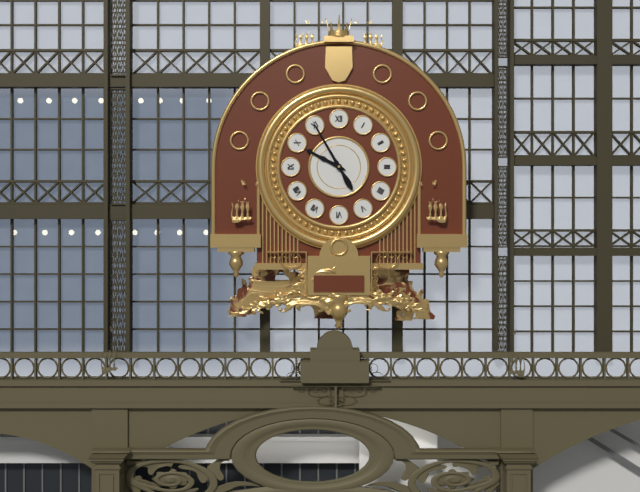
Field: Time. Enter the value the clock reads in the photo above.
9:55
